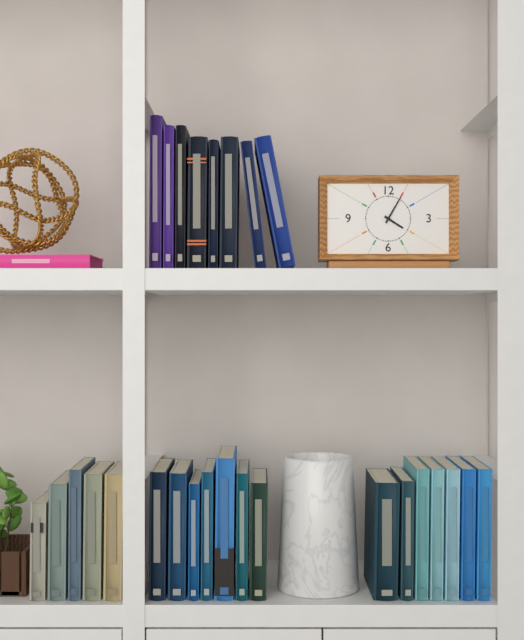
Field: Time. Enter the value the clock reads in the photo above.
4:05
